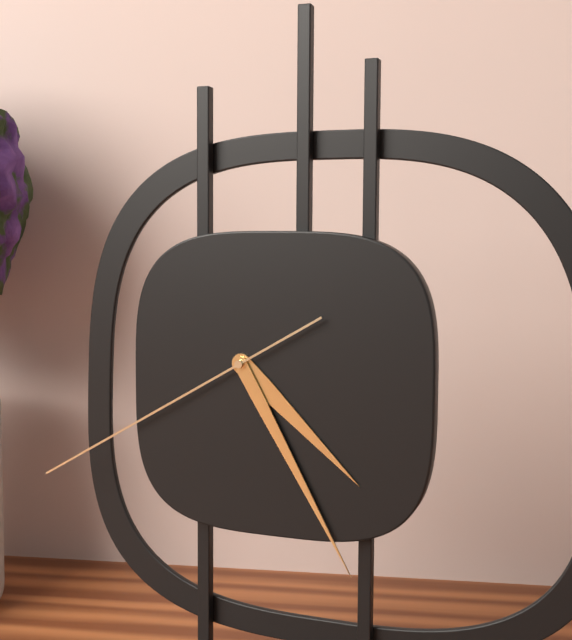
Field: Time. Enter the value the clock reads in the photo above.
4:25:40
